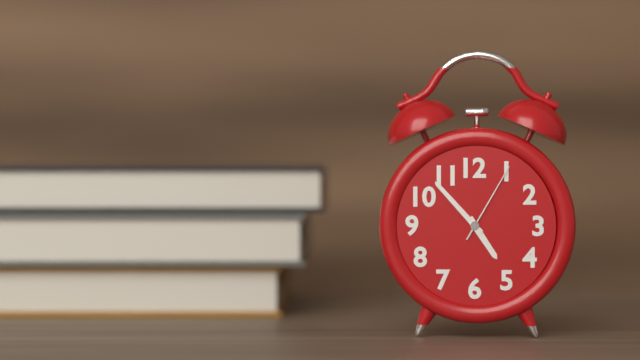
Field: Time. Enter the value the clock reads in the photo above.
4:53:05
